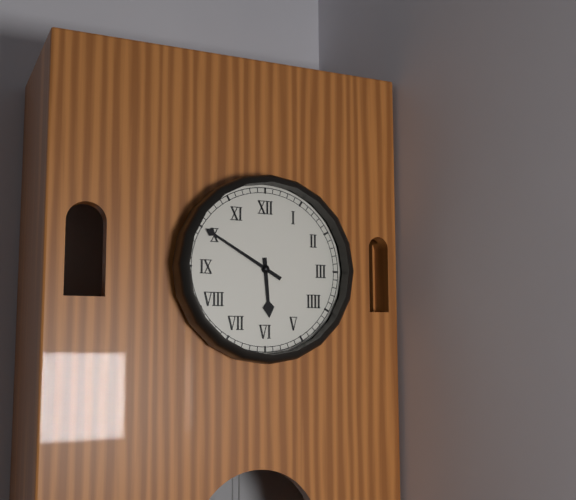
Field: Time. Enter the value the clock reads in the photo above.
5:50
